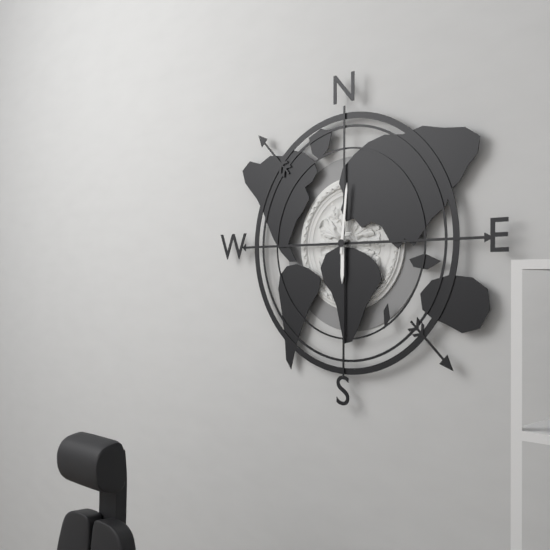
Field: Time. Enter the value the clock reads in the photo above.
6:01
